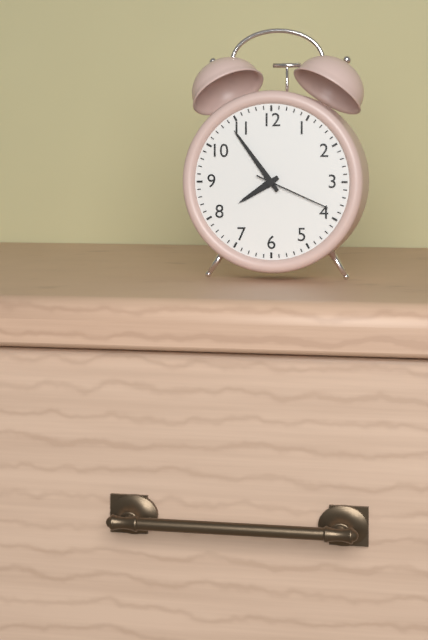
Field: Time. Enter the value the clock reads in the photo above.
7:54:19
